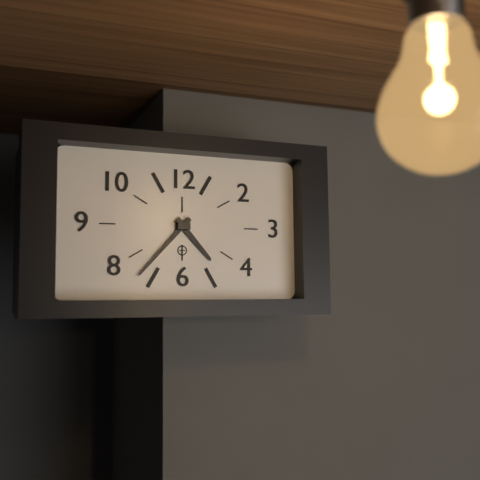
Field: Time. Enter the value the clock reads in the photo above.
4:37
